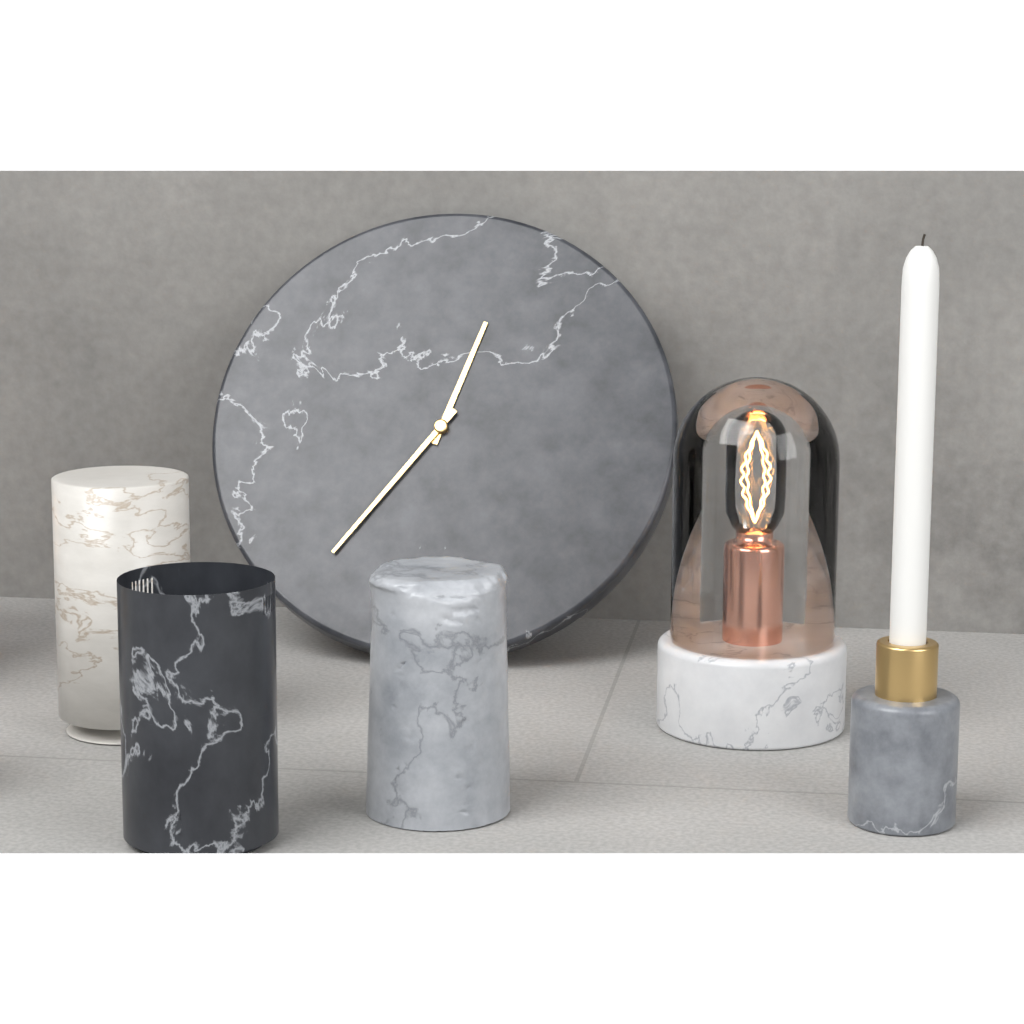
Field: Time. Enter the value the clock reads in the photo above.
12:36
